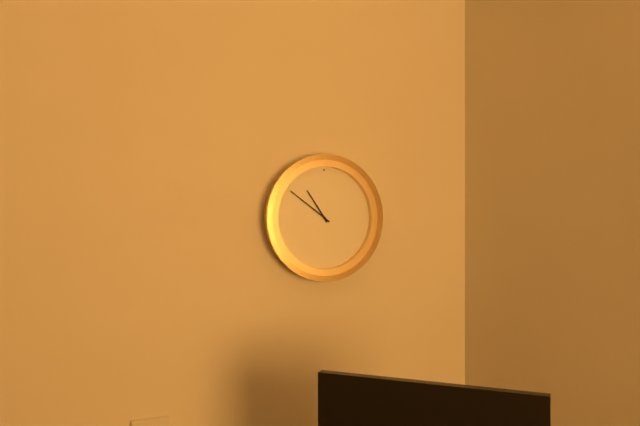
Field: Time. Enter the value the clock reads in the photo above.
10:51
